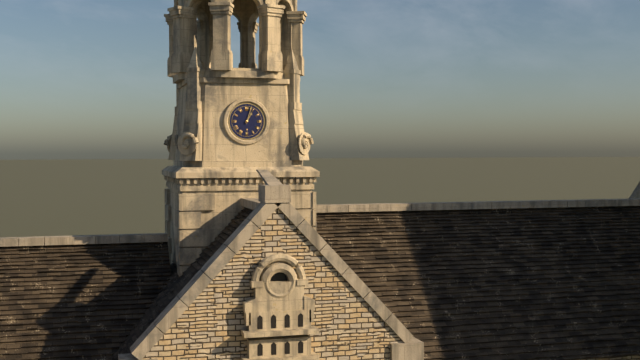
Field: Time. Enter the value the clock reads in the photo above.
1:03
